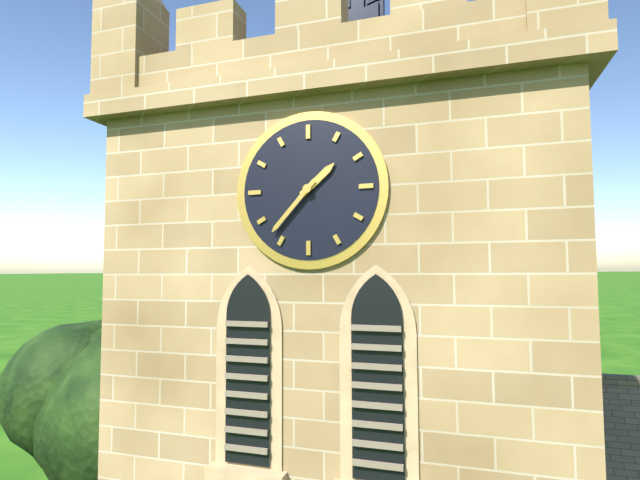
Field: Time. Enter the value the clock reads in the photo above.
1:37
